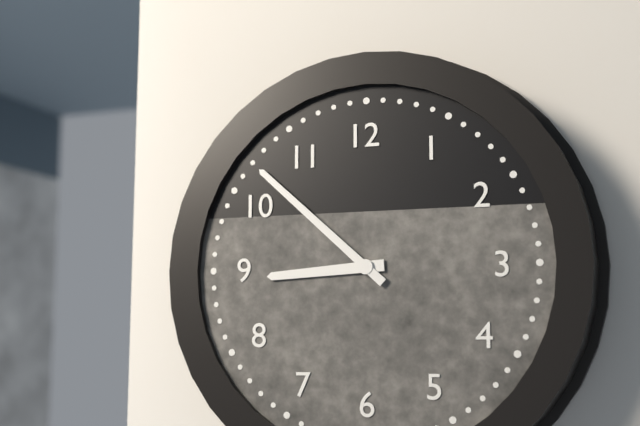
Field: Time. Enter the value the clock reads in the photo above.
8:52
